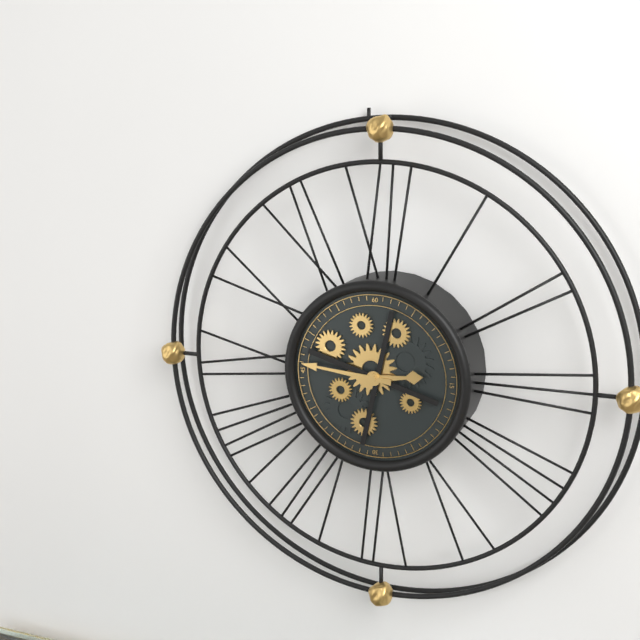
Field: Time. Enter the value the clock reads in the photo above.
2:46
